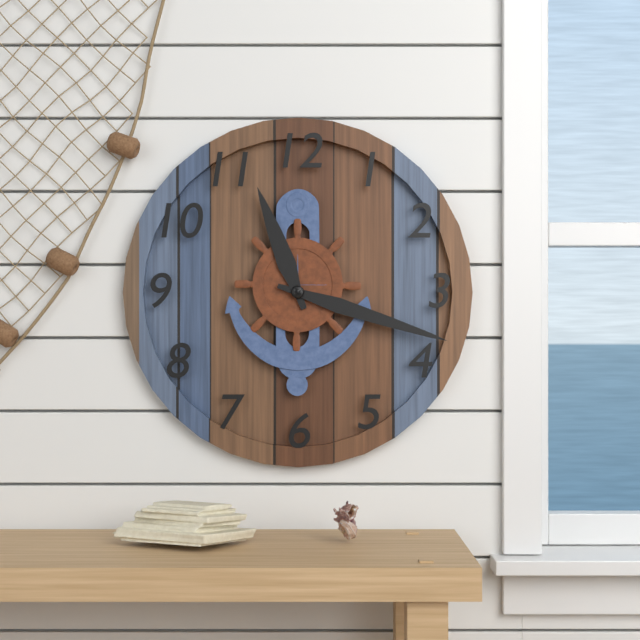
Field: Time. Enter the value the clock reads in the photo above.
11:18
